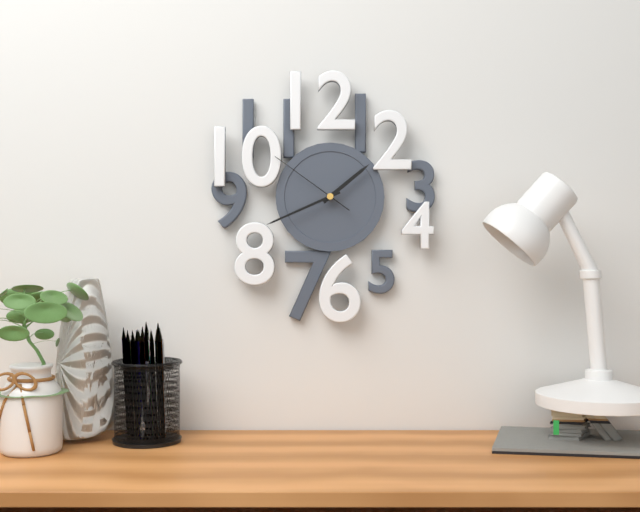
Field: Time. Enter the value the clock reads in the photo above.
1:41:51
